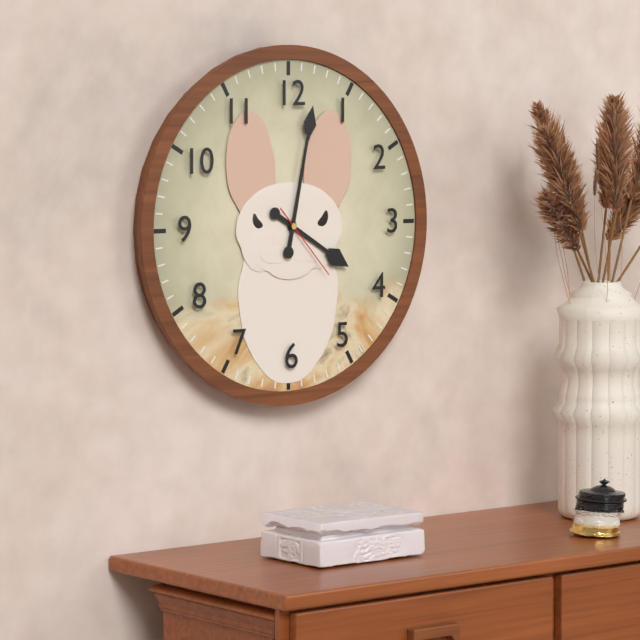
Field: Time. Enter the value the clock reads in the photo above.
4:02:23
